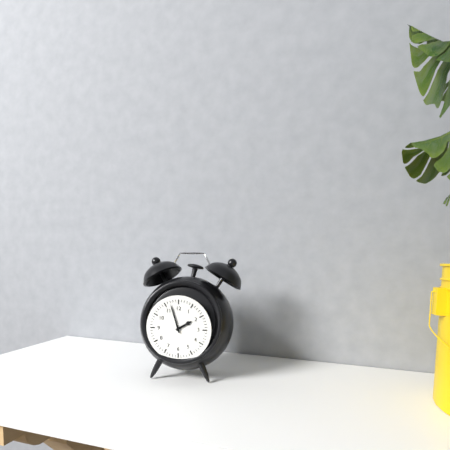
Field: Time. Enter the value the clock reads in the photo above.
1:57
